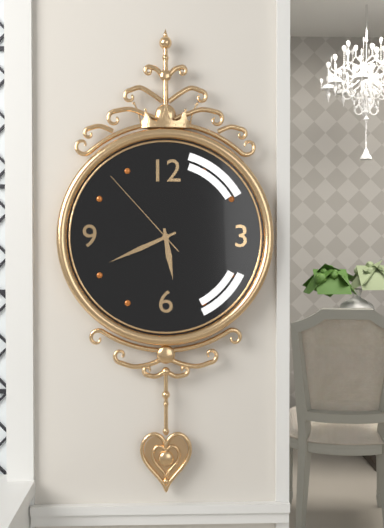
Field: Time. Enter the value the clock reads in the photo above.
5:41:53
